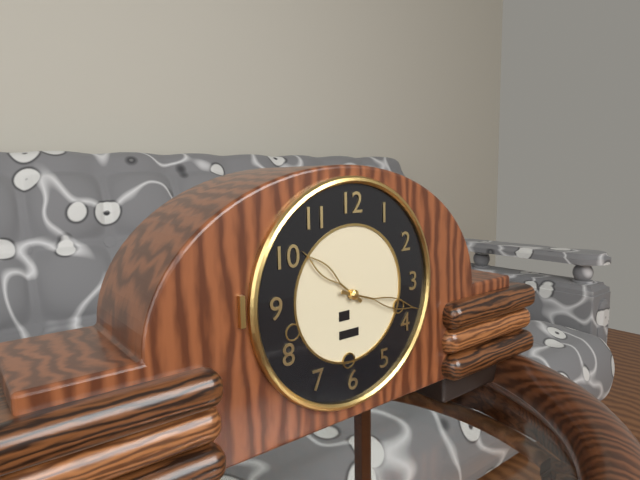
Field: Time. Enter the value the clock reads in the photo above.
10:18
